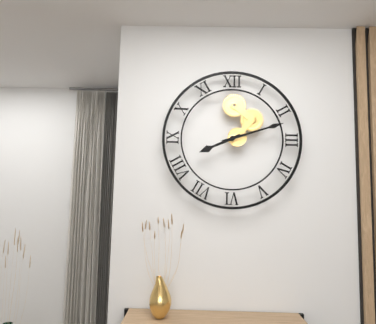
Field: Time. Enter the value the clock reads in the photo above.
8:12
